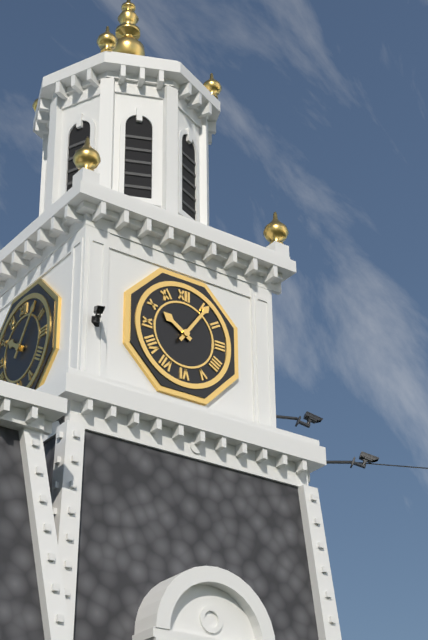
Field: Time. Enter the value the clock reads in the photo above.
10:06
